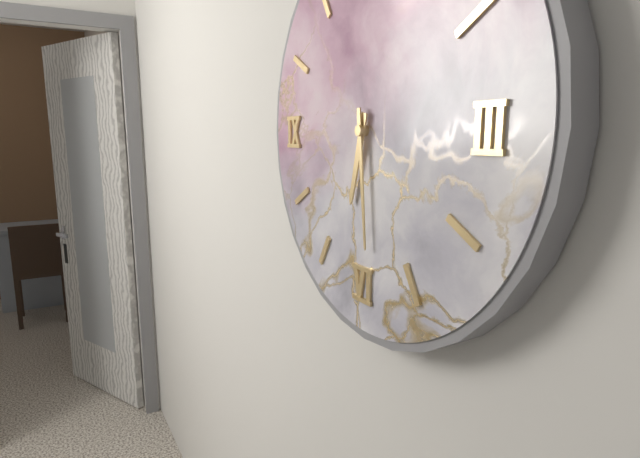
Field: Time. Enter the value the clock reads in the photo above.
6:29
